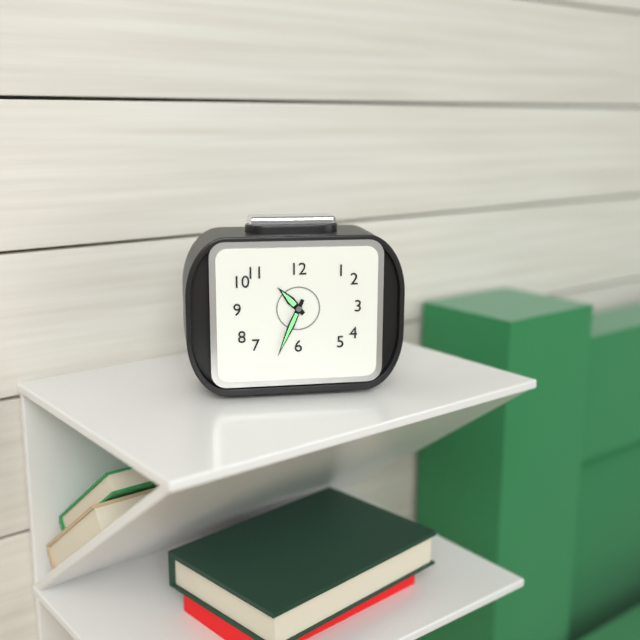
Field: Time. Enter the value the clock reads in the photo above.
10:34
